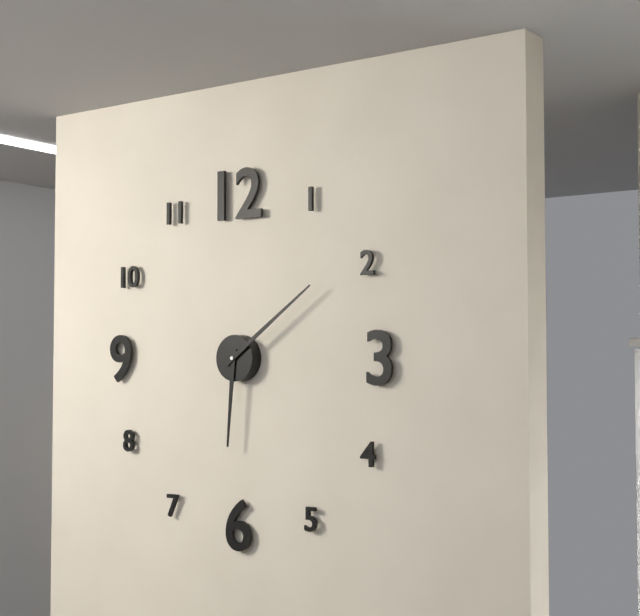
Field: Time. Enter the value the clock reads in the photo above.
6:09
